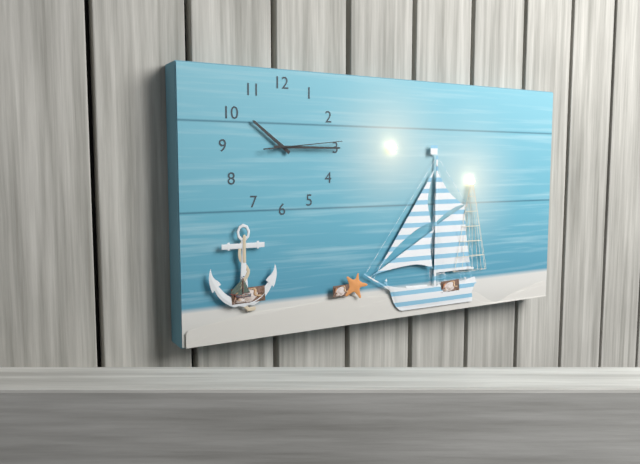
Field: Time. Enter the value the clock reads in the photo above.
10:15:14
